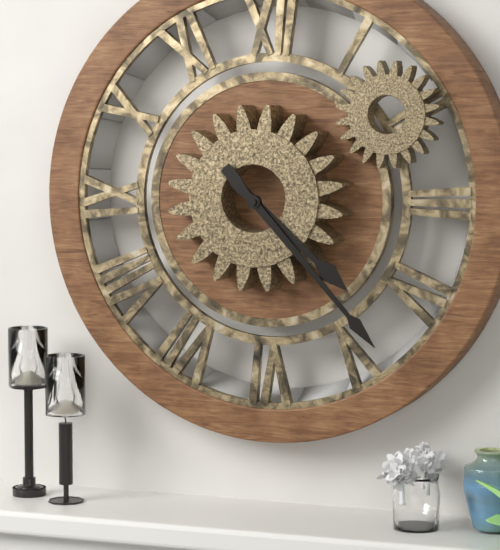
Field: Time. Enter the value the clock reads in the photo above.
4:23
